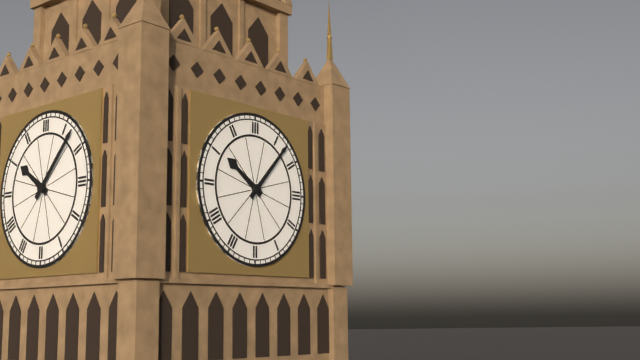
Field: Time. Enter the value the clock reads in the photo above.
10:07
